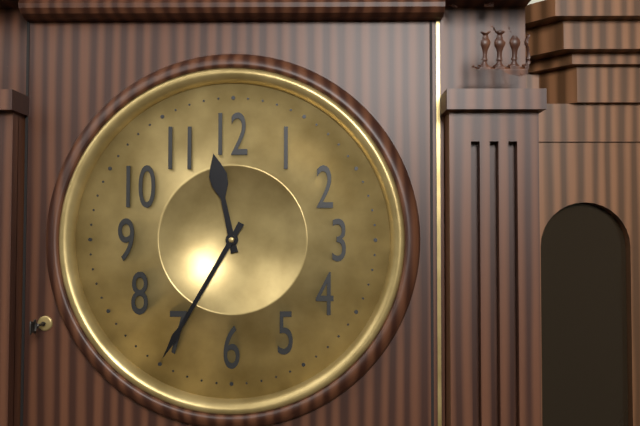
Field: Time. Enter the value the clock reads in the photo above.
11:35
